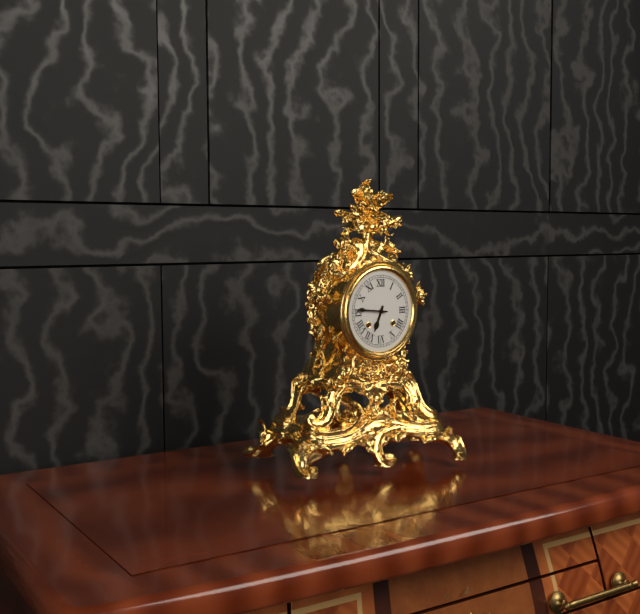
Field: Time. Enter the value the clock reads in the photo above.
6:46
